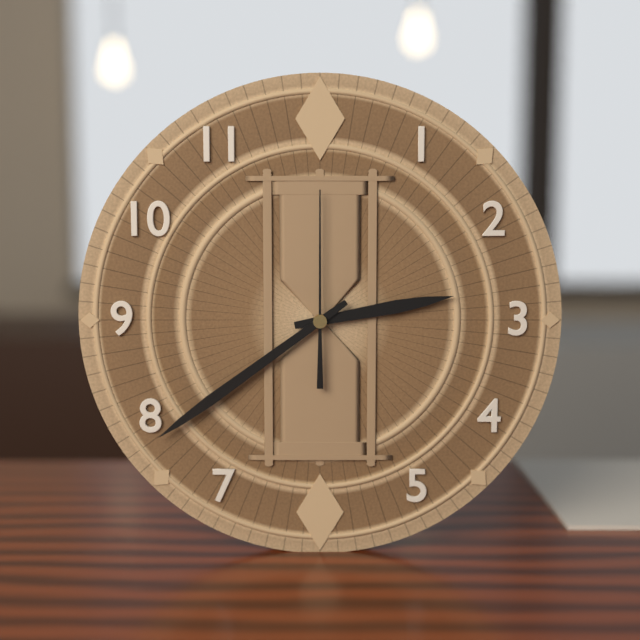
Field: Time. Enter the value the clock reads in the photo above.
2:39:00
